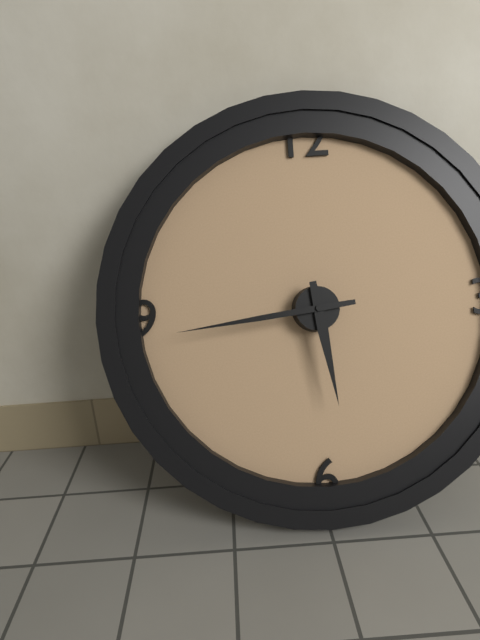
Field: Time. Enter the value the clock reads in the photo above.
5:44
